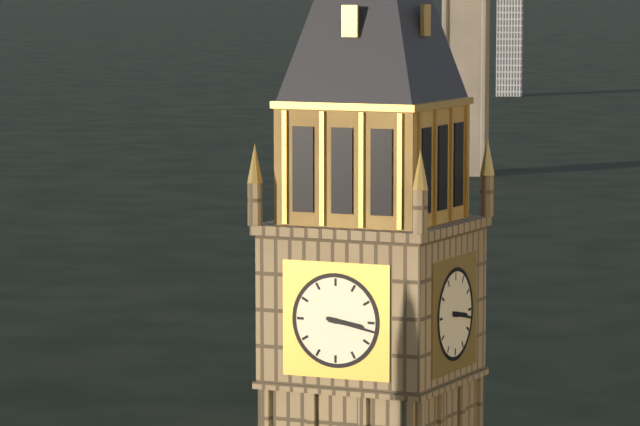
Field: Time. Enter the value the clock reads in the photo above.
3:17
